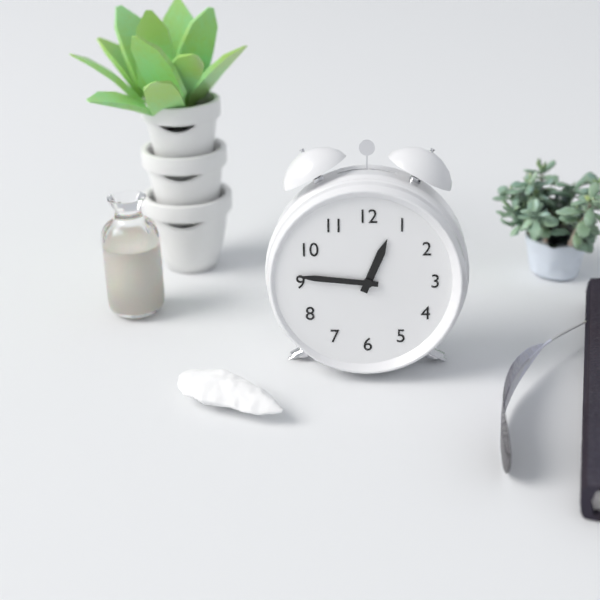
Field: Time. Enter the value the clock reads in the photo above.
12:46
